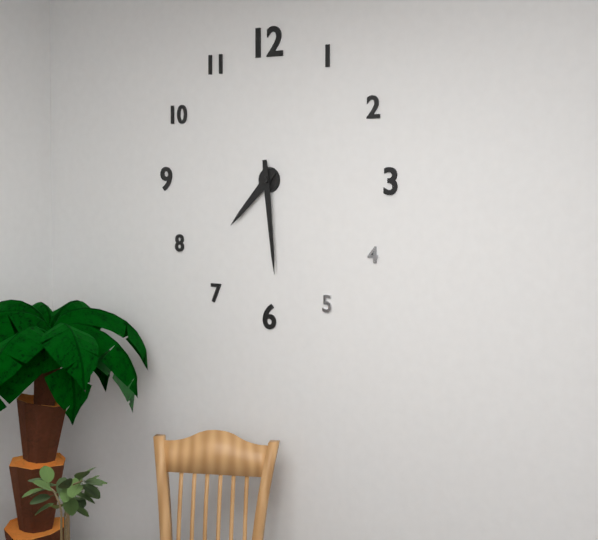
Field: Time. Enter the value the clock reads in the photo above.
7:29
